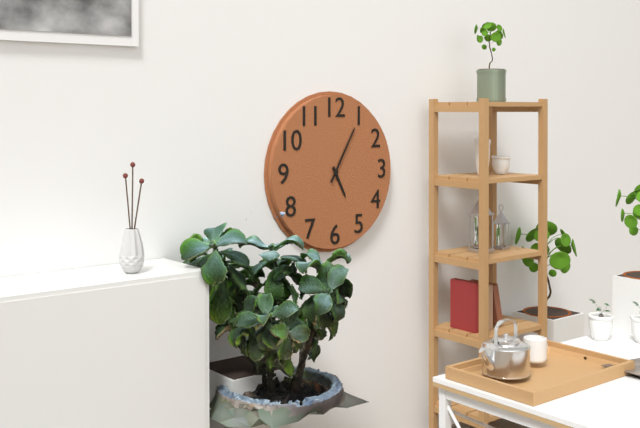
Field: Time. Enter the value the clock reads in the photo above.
5:05
